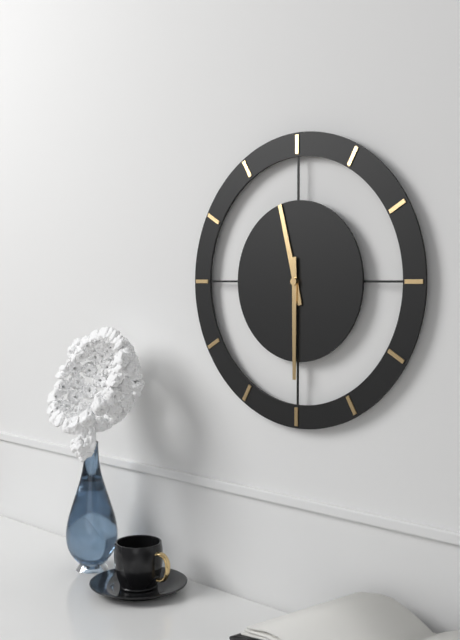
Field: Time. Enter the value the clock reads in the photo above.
11:30
